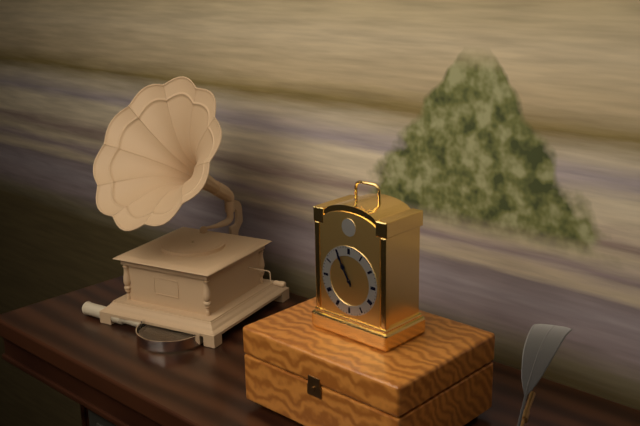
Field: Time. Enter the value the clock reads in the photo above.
10:55
